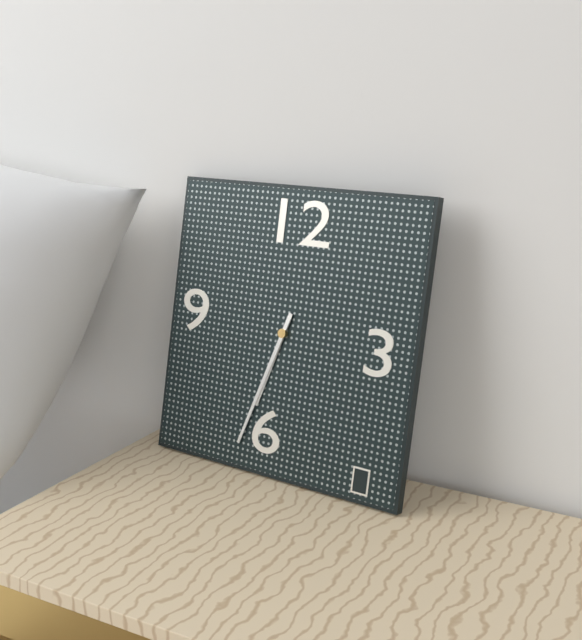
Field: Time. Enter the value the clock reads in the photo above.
6:33
